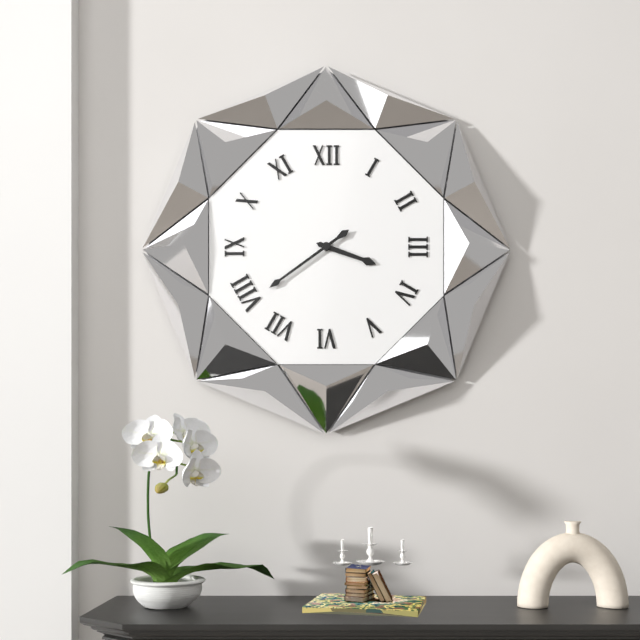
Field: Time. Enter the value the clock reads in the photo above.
3:39
